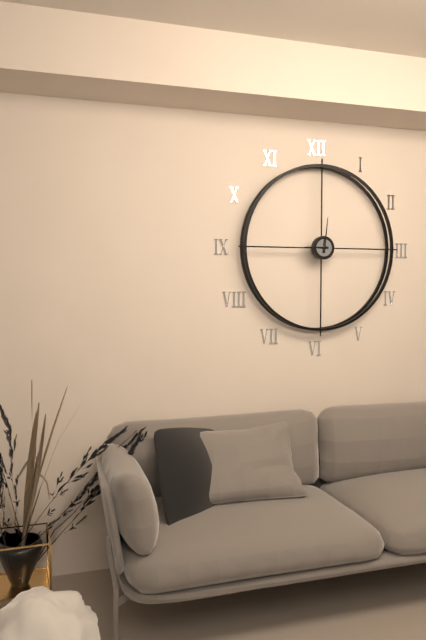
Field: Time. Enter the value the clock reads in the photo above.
9:01
